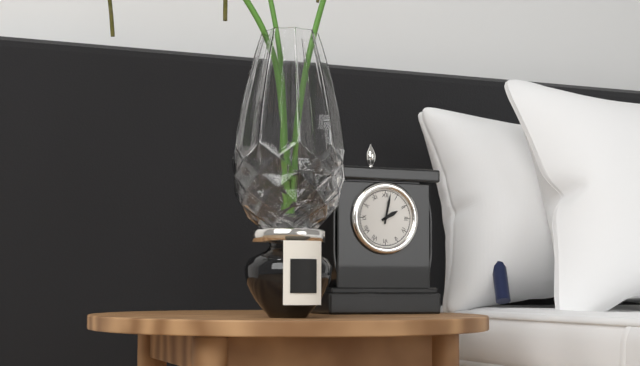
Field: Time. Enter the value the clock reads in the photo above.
2:02
